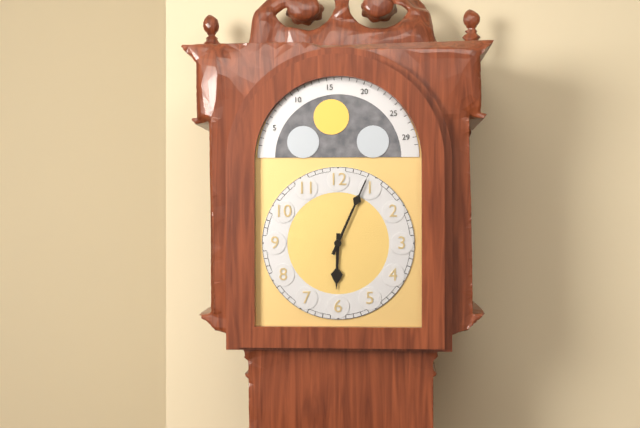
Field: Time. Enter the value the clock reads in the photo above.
6:04
